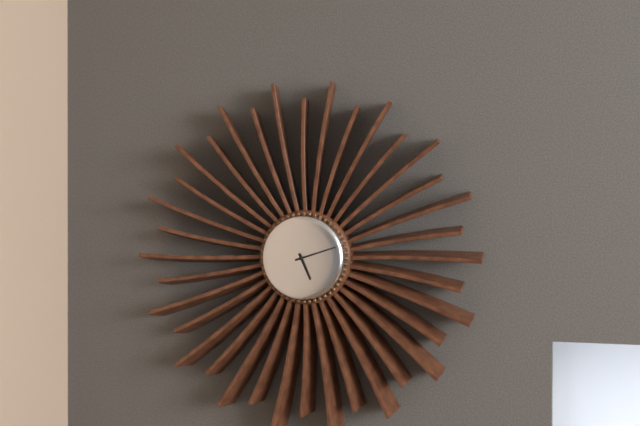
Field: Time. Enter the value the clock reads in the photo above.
5:12
